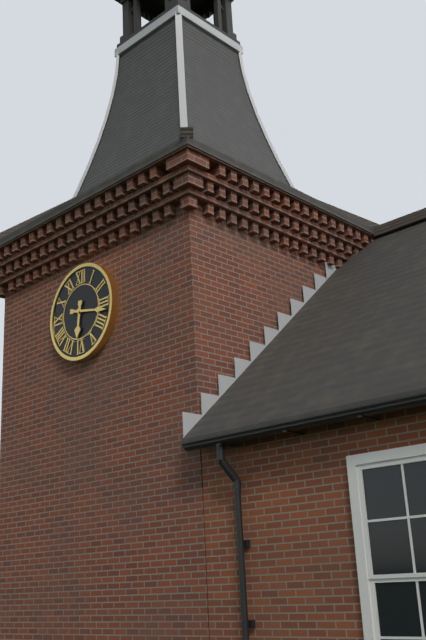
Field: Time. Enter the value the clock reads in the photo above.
6:17
